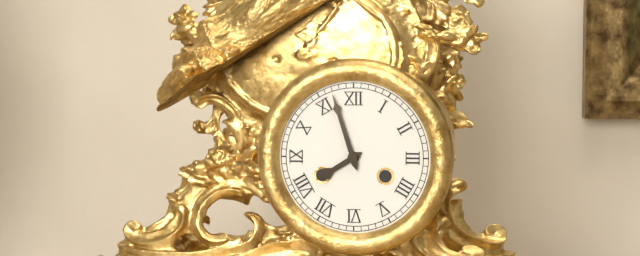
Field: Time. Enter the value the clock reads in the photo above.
7:57
